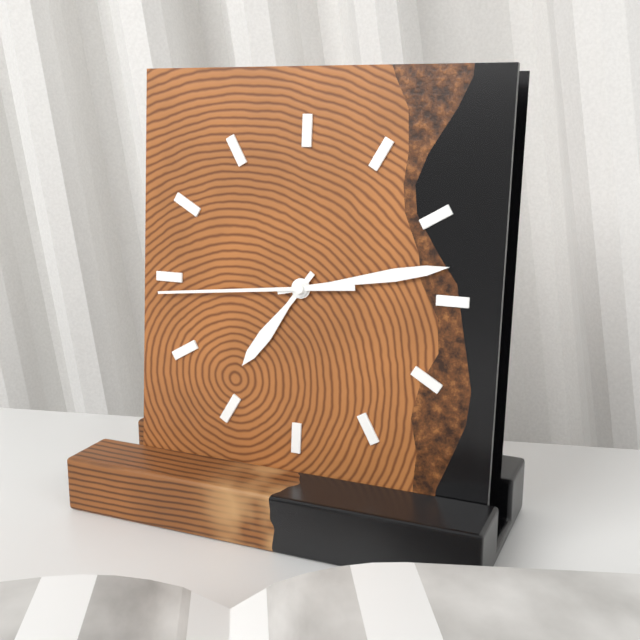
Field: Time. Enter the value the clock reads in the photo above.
7:13:44
